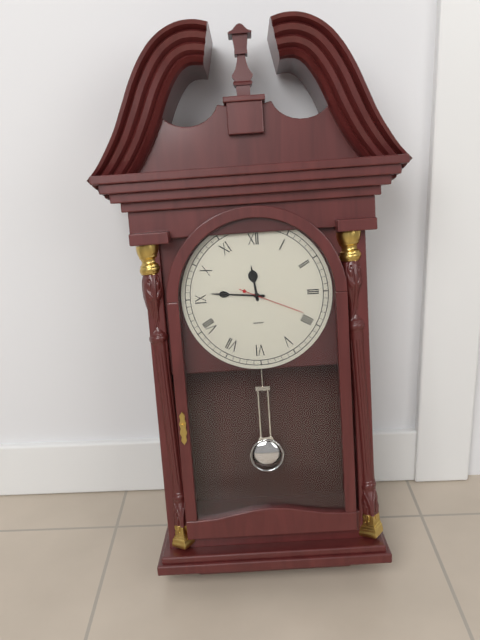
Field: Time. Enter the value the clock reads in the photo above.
11:46:19
